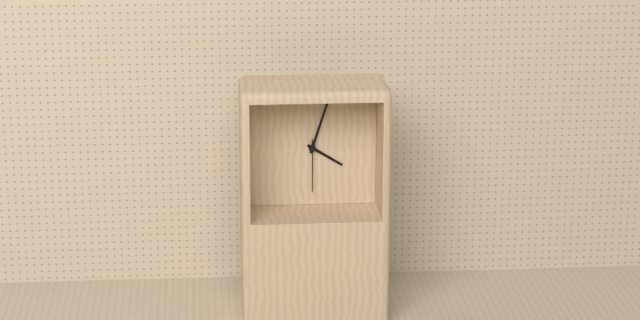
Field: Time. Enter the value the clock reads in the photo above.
4:03:30
